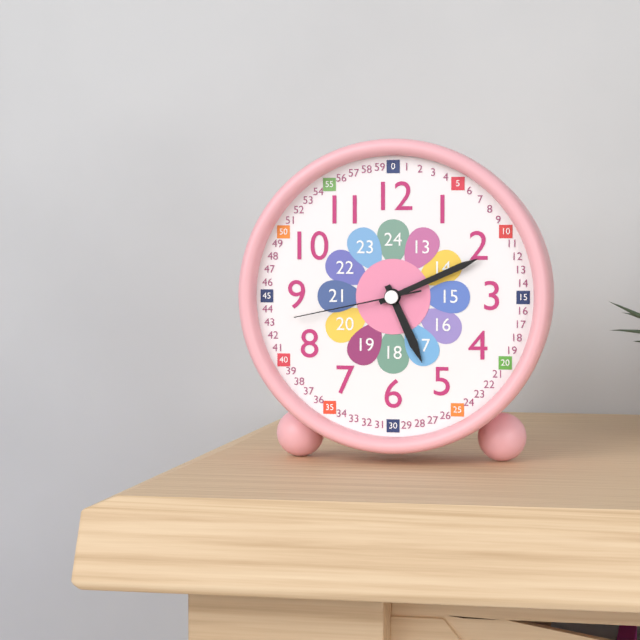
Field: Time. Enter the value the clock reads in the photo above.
5:11:43
